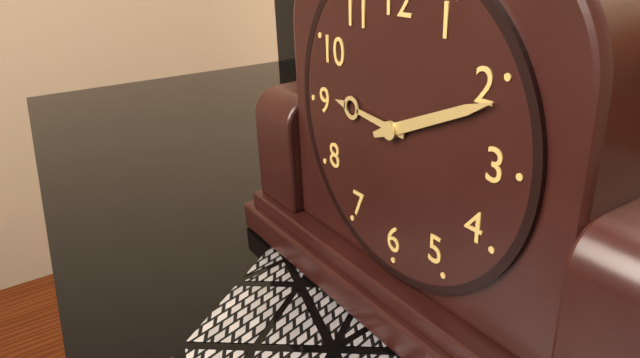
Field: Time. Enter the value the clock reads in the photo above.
9:11
